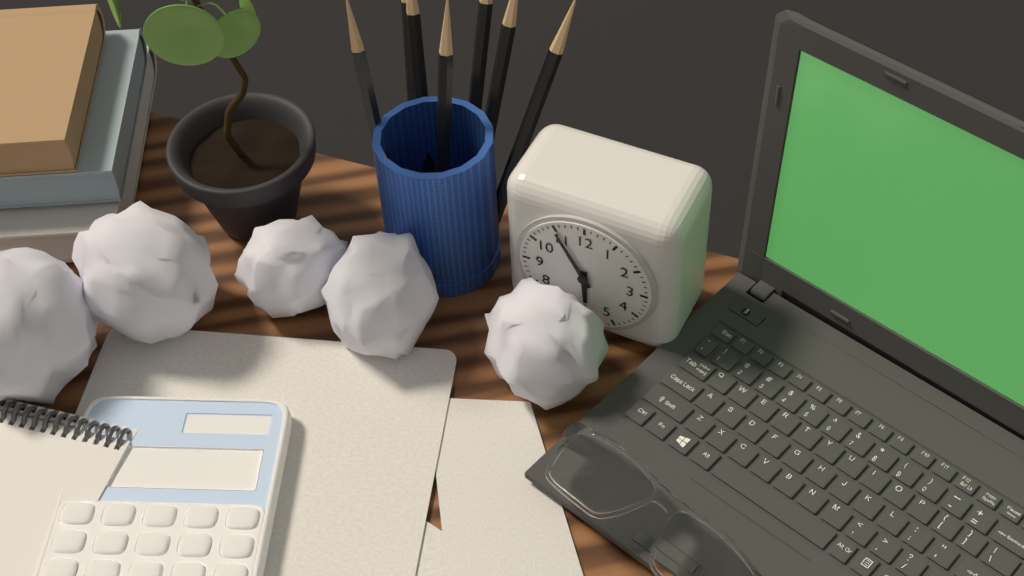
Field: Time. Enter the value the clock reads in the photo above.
5:55
